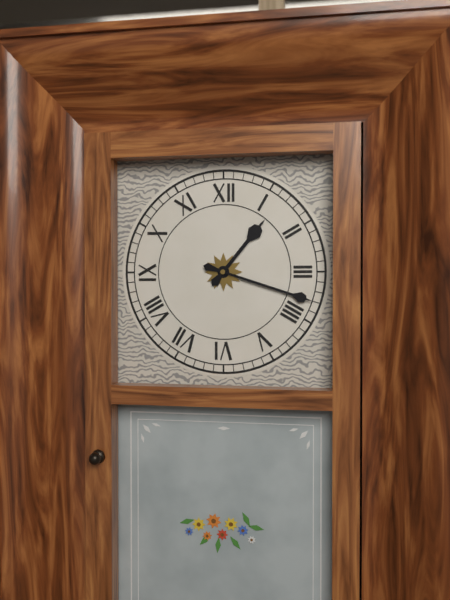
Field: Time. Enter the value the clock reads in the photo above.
1:18
